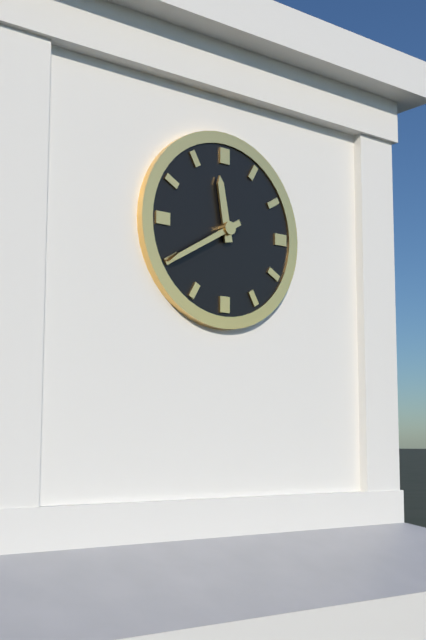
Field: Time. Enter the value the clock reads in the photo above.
11:40
